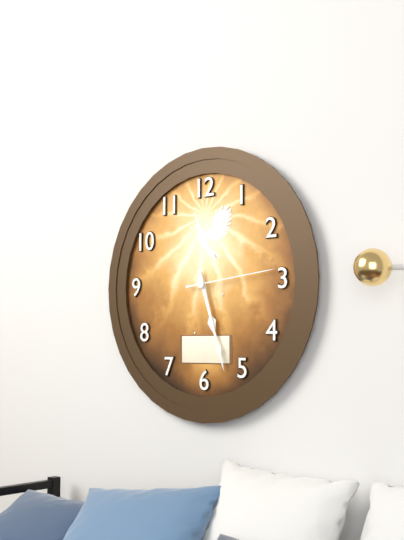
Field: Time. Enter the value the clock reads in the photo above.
5:27:14
